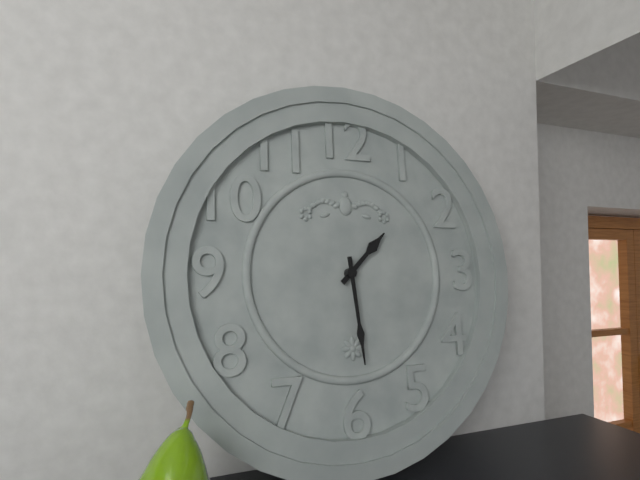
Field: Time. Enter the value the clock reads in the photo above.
1:29
